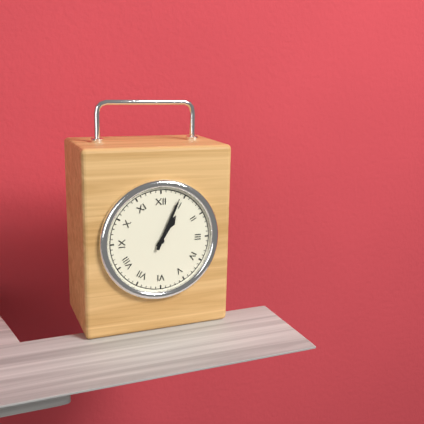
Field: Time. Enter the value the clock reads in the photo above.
1:04
